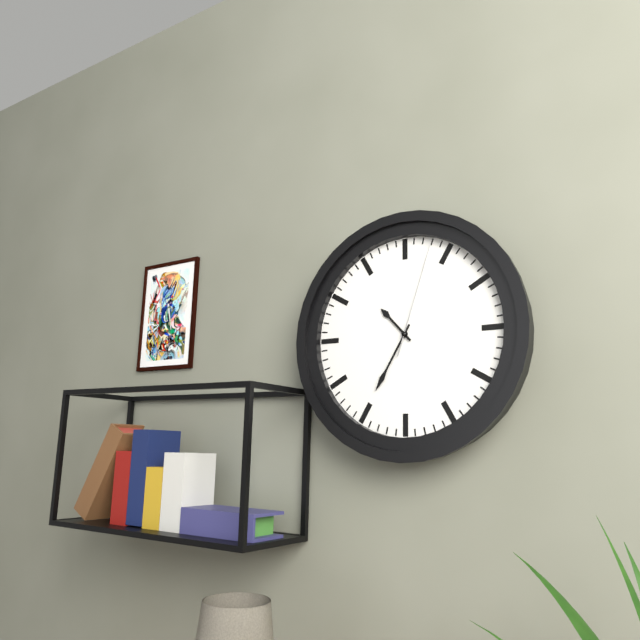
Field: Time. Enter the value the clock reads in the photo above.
10:35:03
